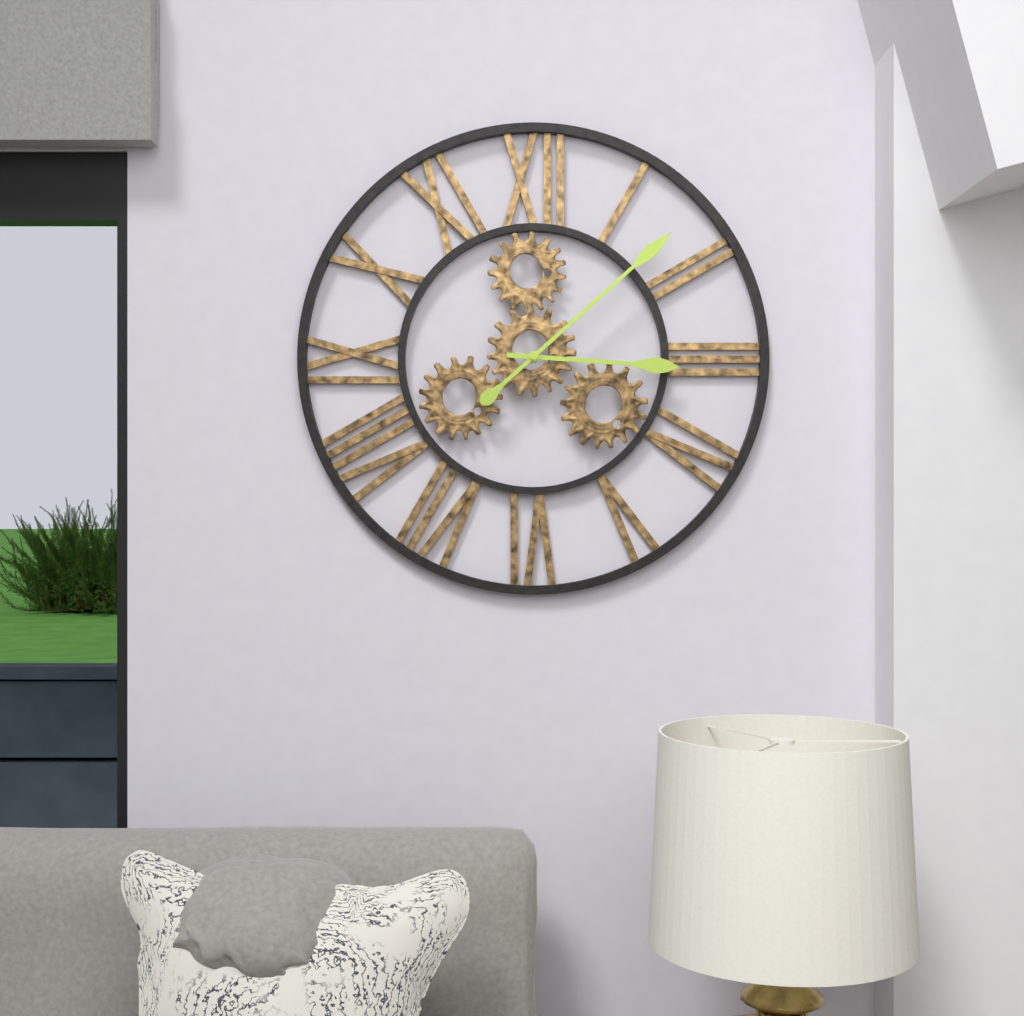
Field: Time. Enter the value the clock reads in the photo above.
3:08
